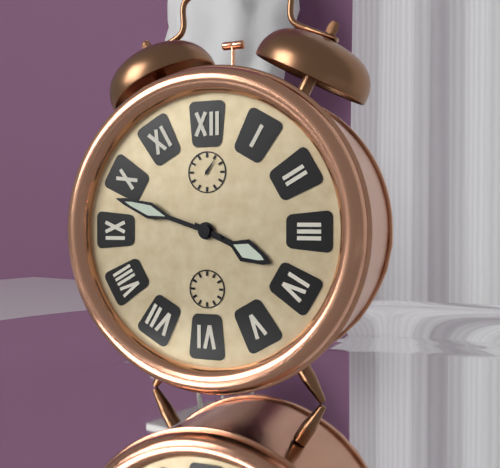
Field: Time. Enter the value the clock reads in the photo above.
3:48
